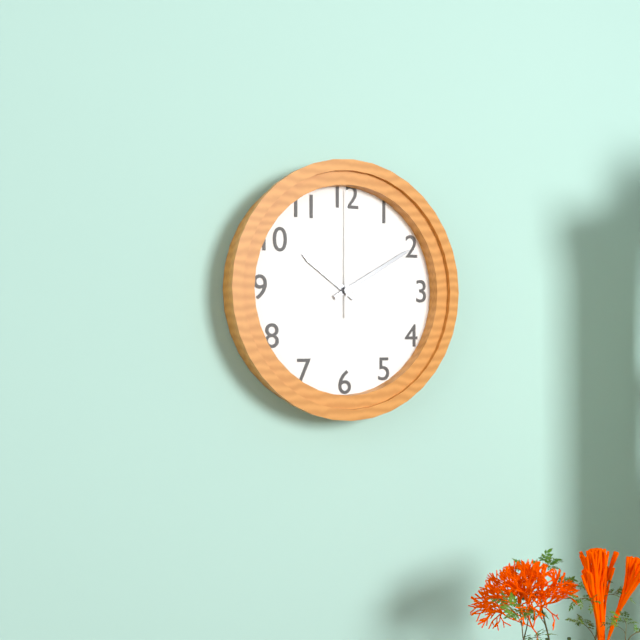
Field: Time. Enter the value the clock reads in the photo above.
10:10:00
